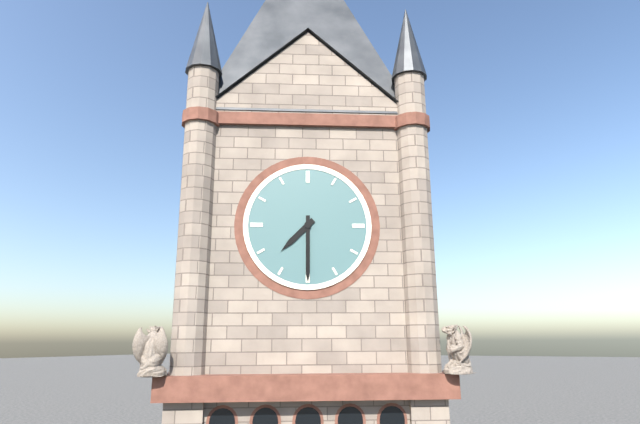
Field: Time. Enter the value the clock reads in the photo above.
7:30
